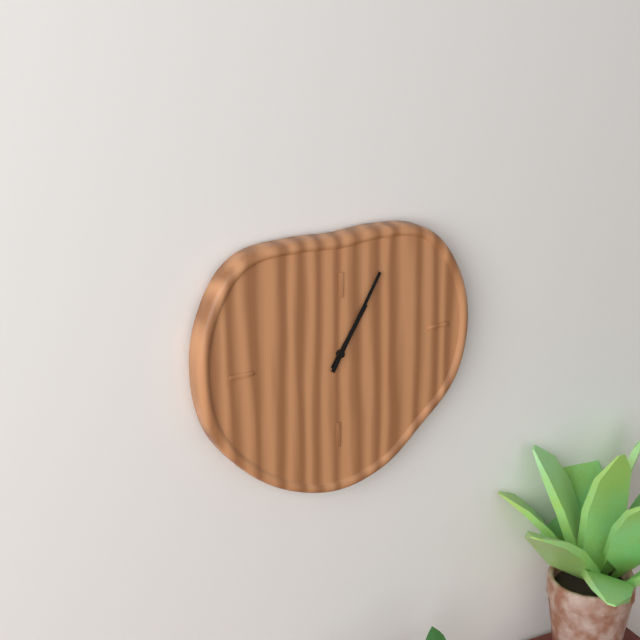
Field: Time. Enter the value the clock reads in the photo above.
1:05
